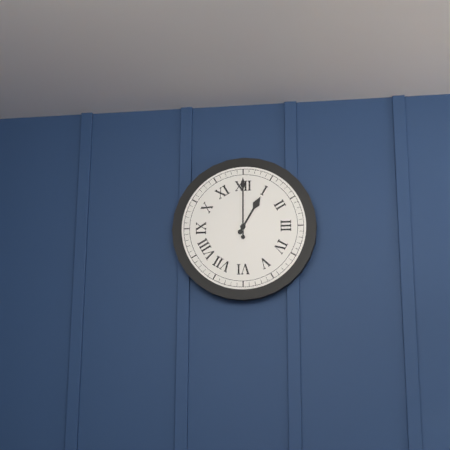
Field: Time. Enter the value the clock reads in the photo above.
1:00
